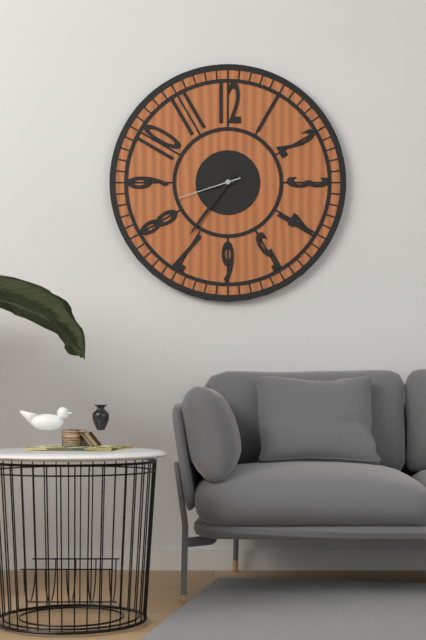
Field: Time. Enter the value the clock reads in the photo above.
8:36:42
